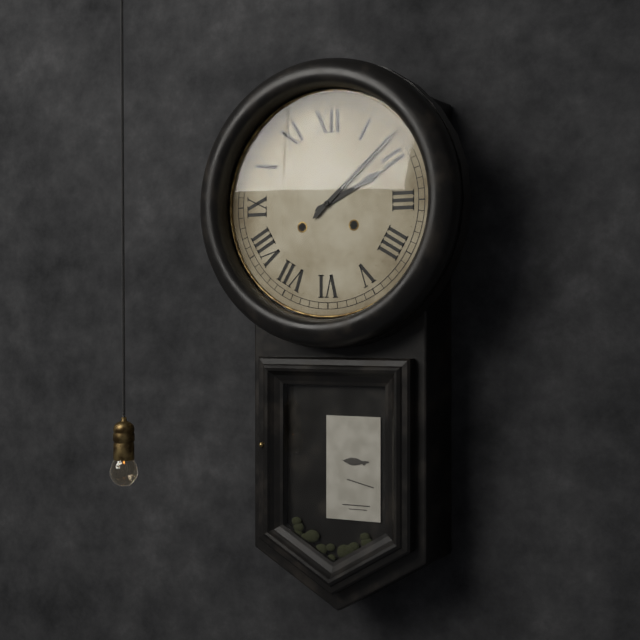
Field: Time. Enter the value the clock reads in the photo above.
2:08
